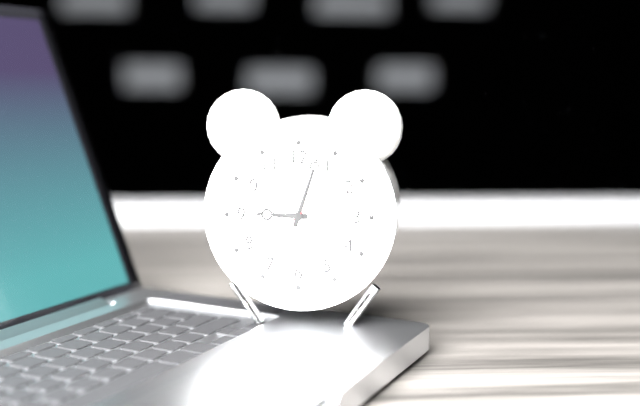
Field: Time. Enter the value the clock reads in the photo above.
9:03:08
